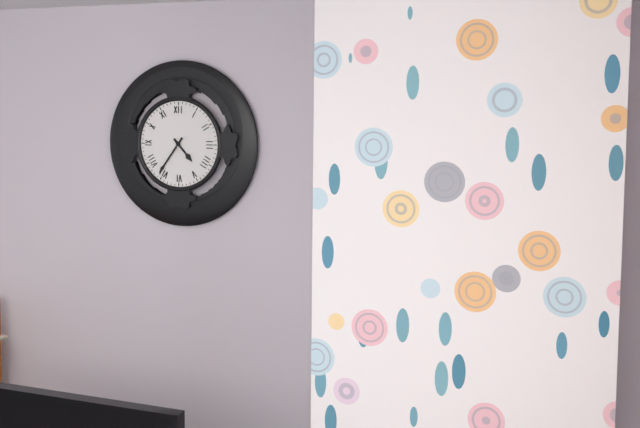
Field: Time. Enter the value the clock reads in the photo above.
4:36
